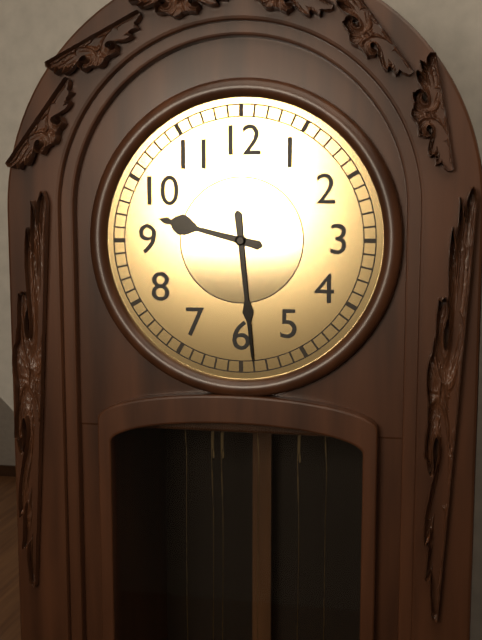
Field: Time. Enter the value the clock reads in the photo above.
9:29
